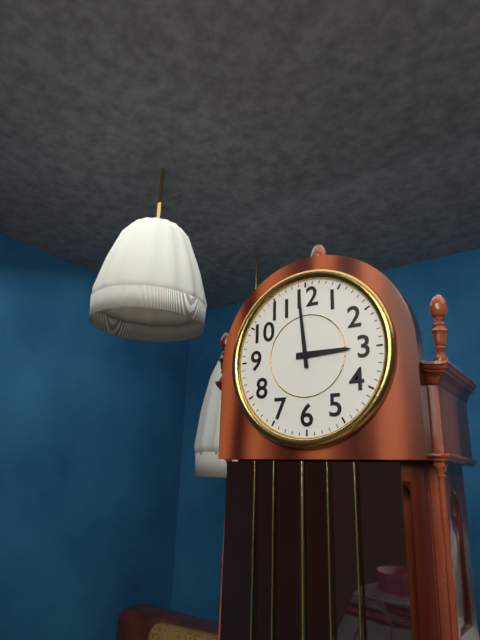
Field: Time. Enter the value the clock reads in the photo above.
2:59
